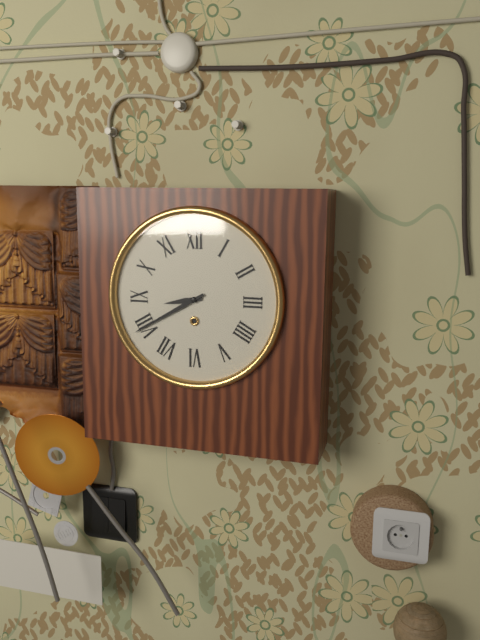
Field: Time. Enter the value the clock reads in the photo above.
8:40
